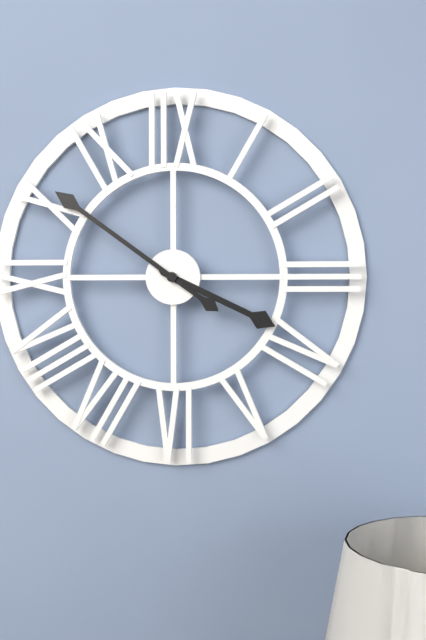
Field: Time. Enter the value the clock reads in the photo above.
3:51
